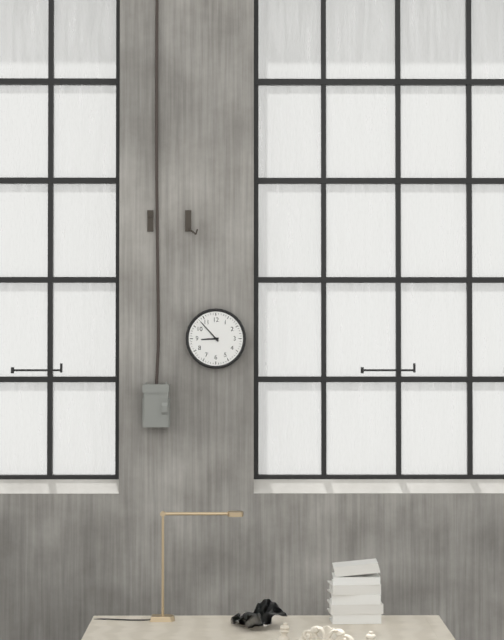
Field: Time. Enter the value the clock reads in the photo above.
8:53
